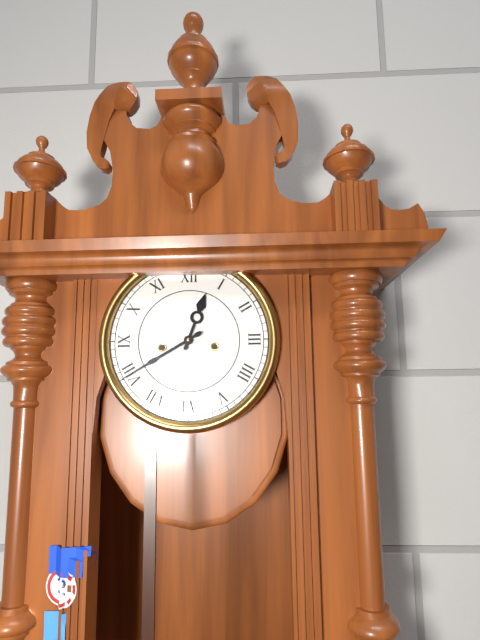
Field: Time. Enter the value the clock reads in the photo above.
12:40
